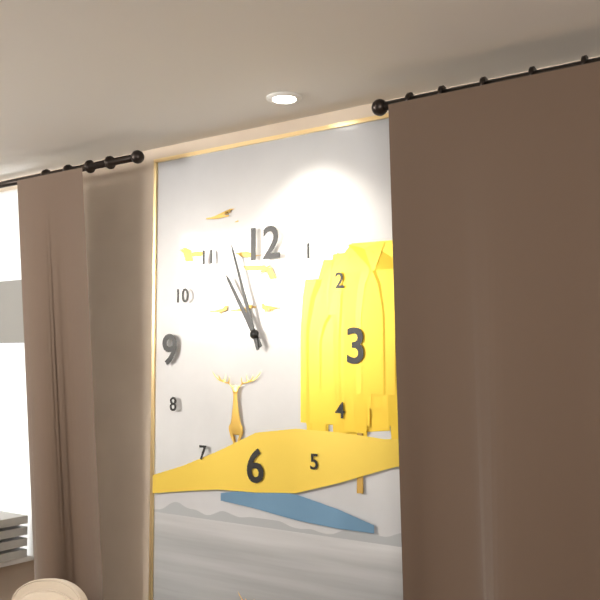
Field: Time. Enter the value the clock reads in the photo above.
10:57
